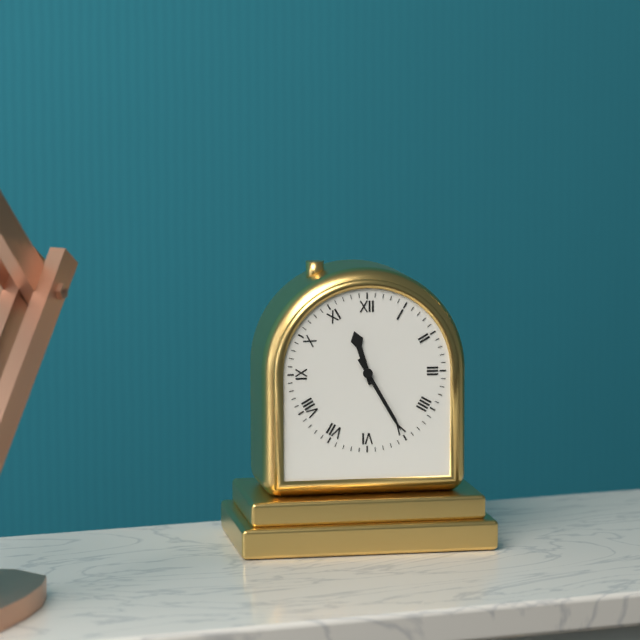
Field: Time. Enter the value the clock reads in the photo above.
11:25
